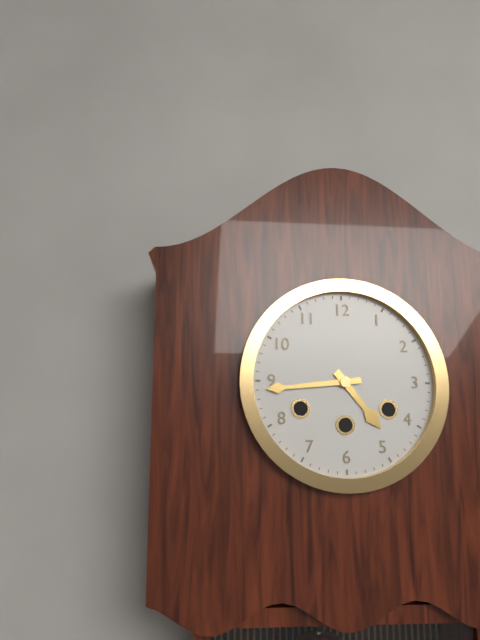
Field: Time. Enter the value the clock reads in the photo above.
4:44
